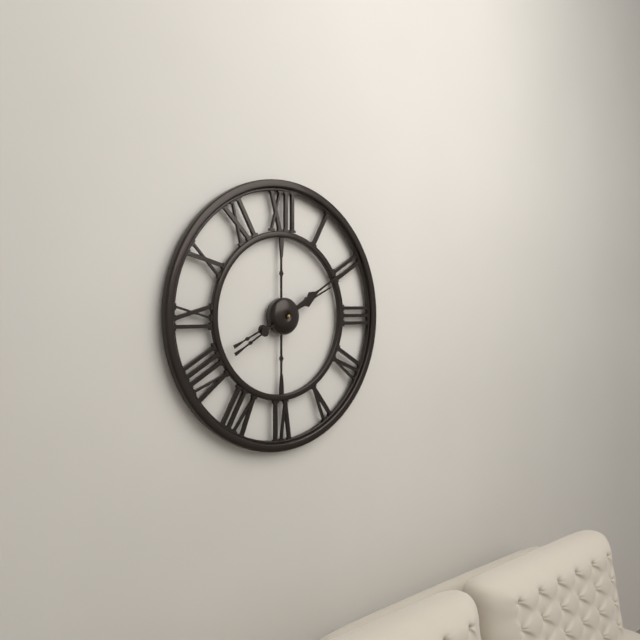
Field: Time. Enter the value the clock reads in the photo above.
2:10
